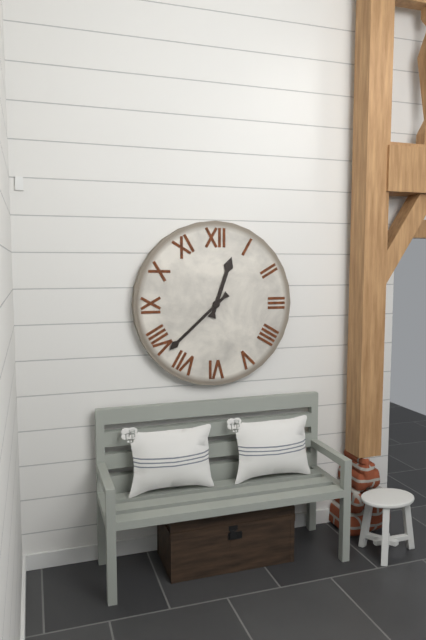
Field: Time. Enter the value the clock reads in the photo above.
12:38
